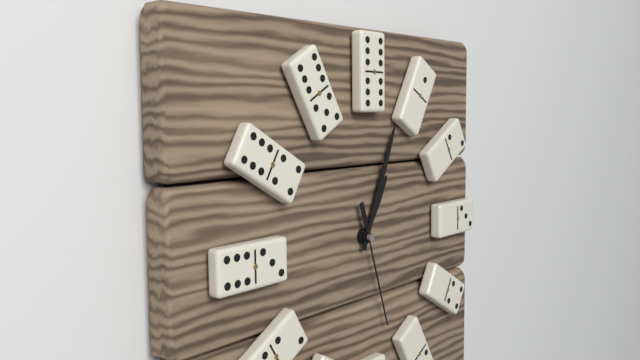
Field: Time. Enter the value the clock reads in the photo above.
1:04:27
